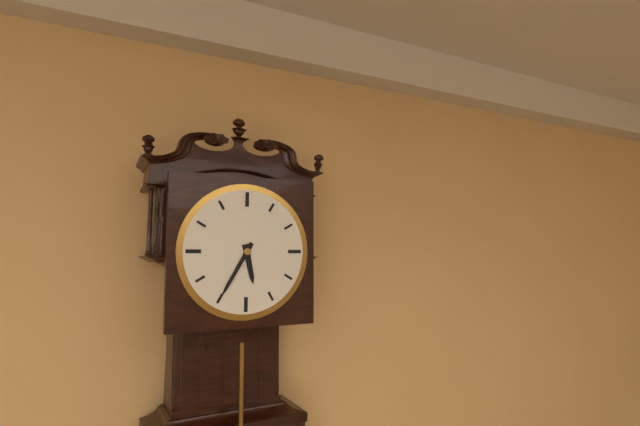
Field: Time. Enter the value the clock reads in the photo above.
5:35
